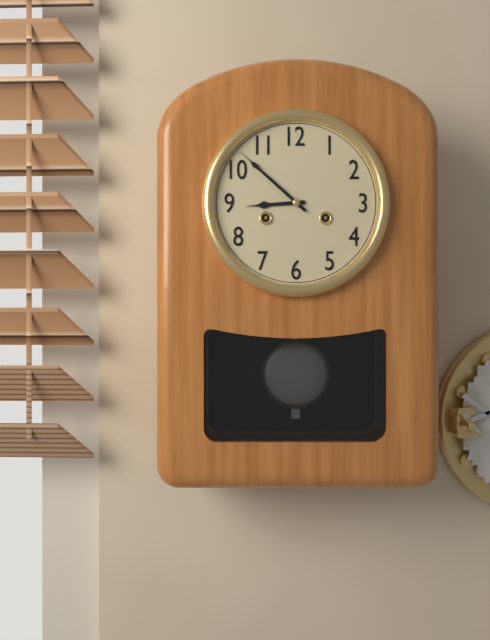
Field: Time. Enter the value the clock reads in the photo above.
8:52
